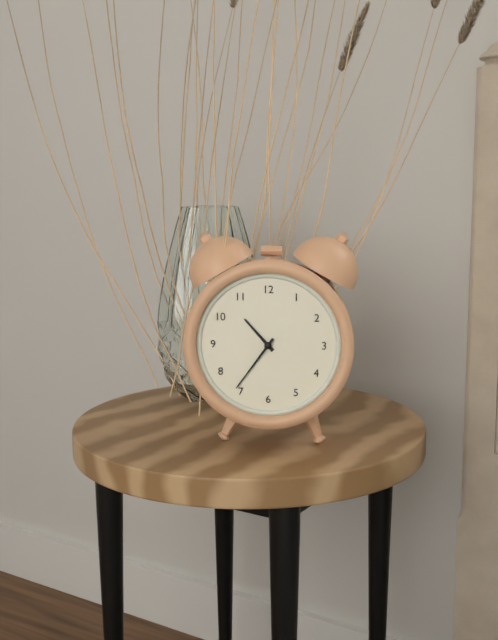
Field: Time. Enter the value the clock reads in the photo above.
10:36
